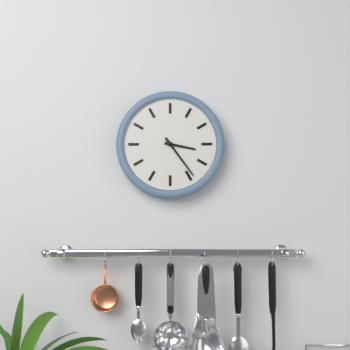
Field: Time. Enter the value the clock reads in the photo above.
3:24
